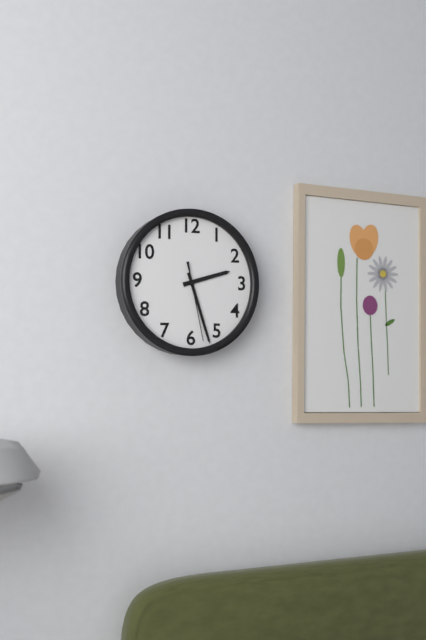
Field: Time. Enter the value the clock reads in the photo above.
2:27:28
